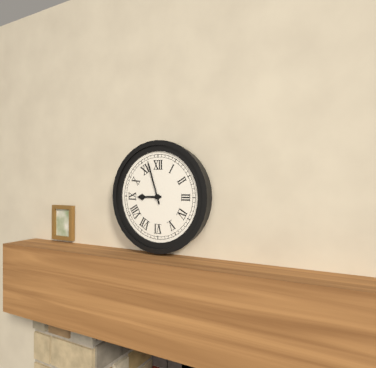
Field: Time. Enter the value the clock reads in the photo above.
8:57
